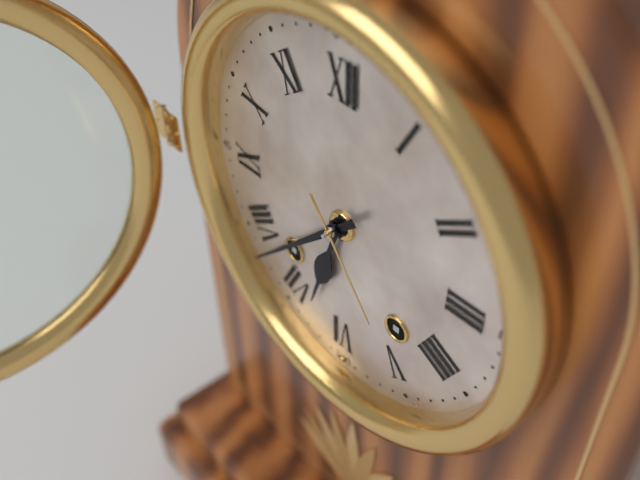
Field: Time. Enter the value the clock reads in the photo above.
6:38
